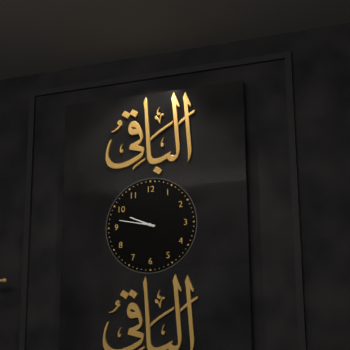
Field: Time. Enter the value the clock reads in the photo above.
9:47
